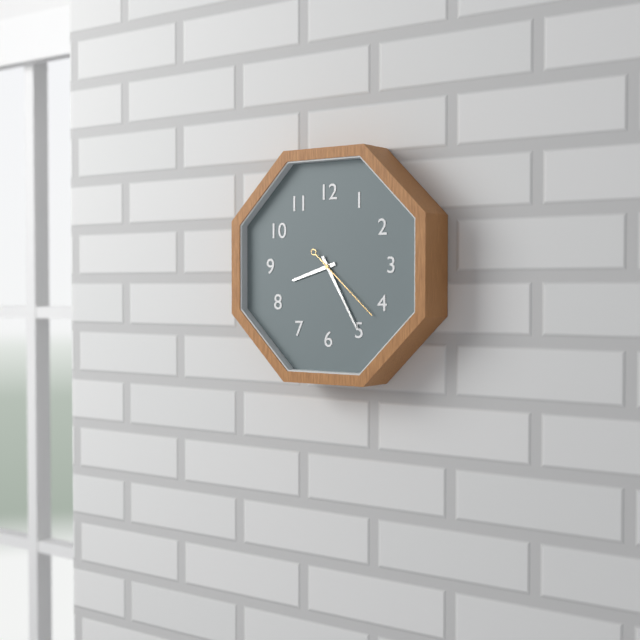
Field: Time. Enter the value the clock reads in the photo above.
8:25:22
